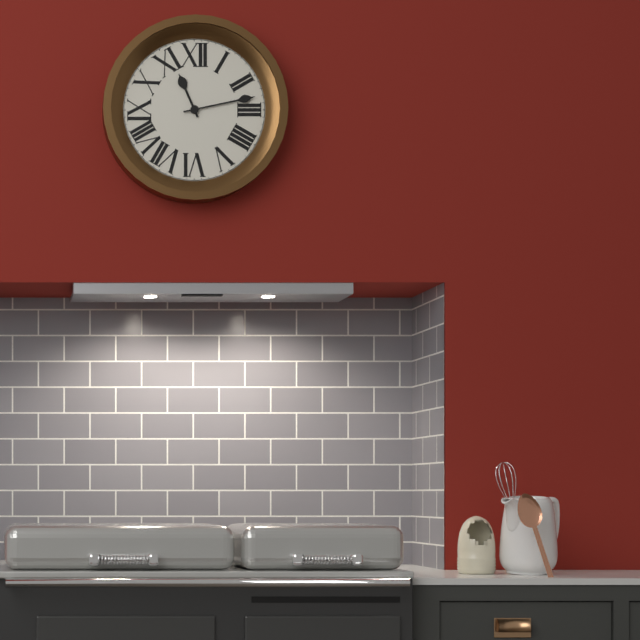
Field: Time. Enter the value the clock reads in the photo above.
11:13
